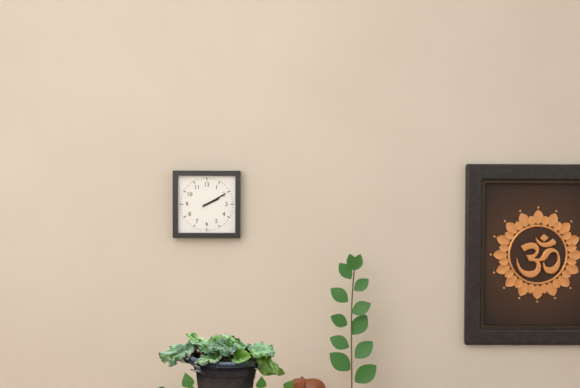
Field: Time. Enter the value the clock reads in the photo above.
2:10
